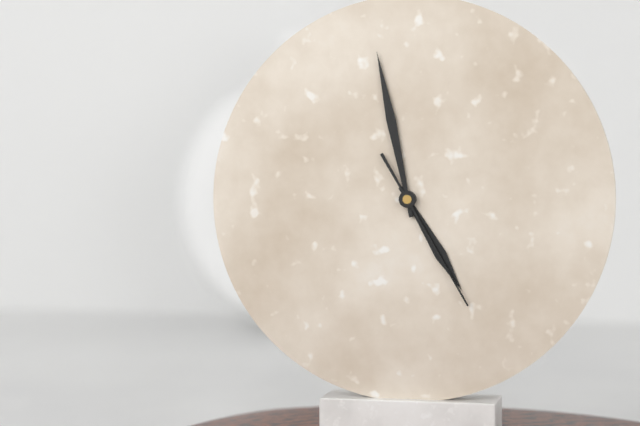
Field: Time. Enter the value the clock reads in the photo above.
4:58:25
